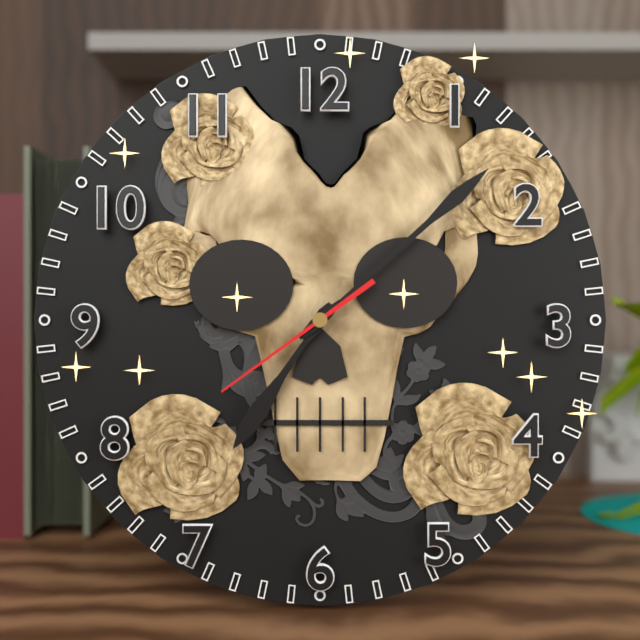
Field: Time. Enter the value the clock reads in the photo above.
7:08:39
